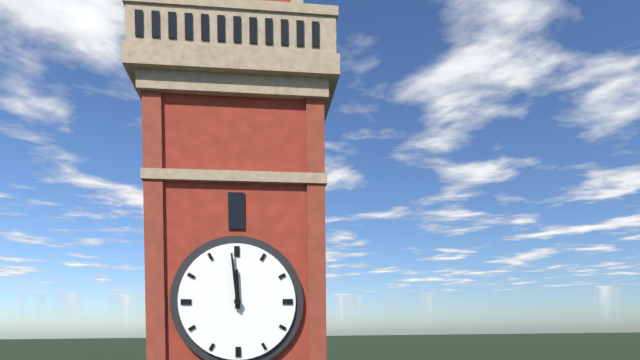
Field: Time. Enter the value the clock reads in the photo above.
11:59
